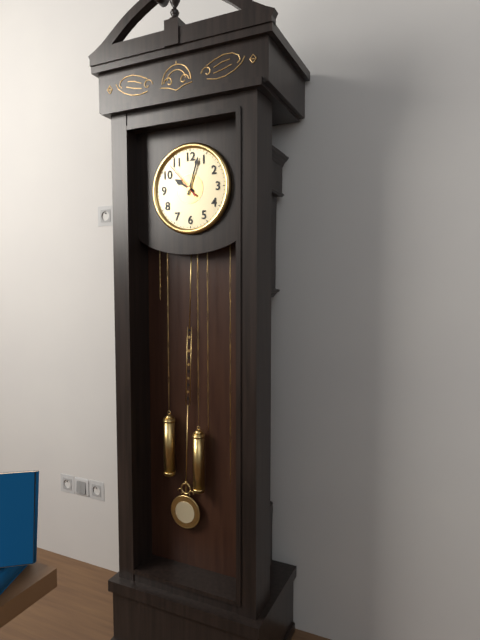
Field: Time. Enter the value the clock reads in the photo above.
10:03
